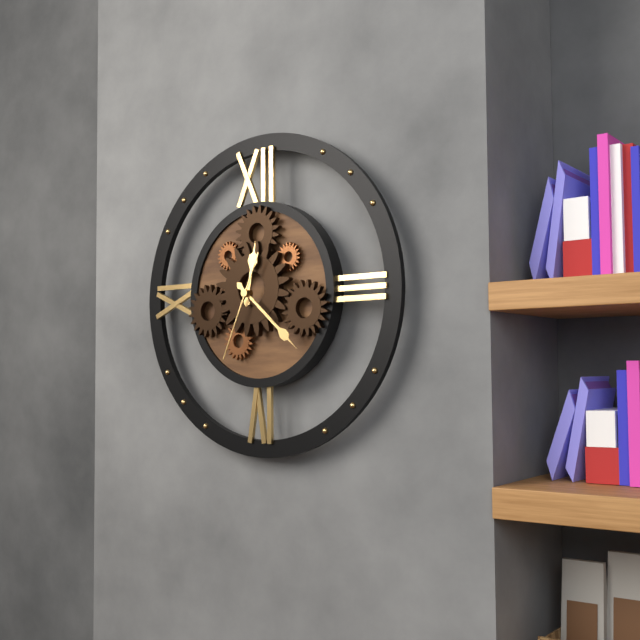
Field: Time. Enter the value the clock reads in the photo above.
12:22:34
